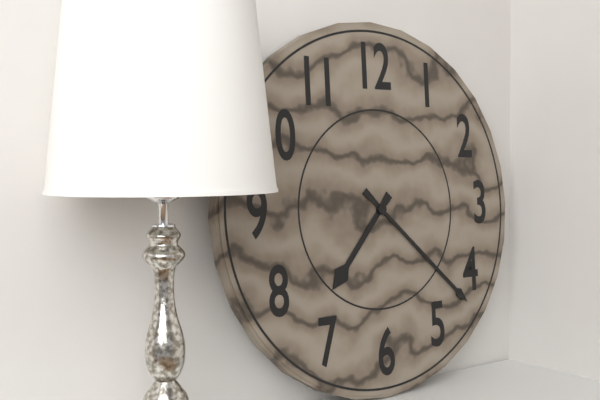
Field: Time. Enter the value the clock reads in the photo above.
7:22
